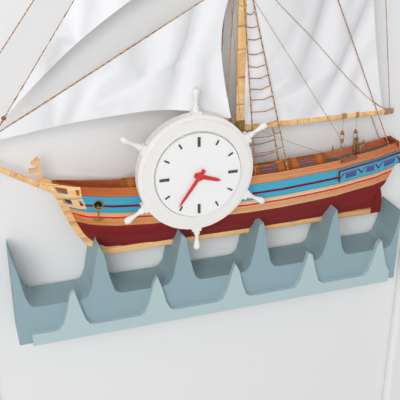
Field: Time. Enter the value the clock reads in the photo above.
3:36
